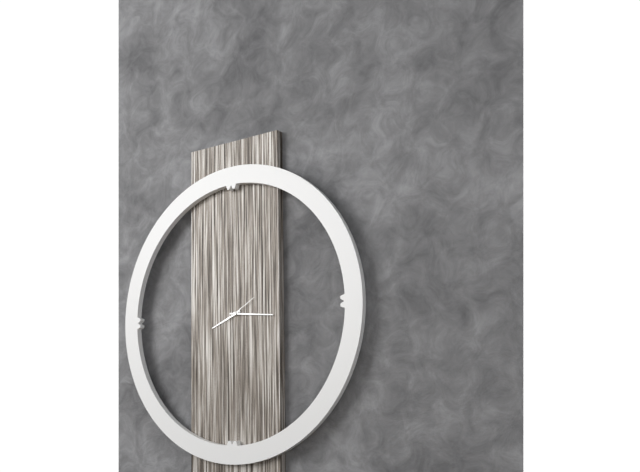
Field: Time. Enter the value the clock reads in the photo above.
8:16
